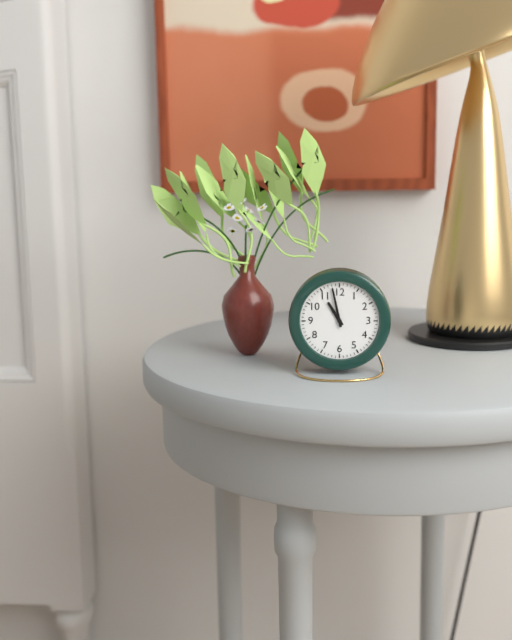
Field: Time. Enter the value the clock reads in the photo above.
10:58
